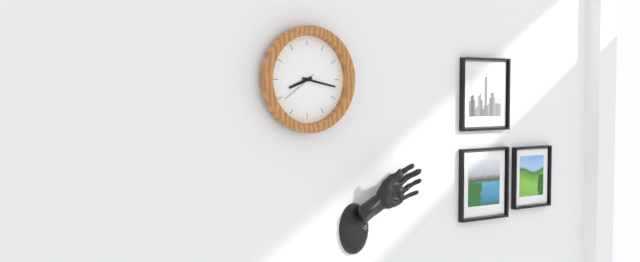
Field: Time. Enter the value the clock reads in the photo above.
8:17
